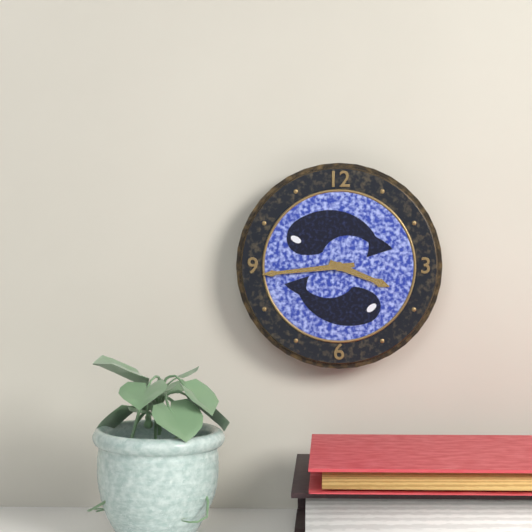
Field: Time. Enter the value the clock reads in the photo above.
3:44
